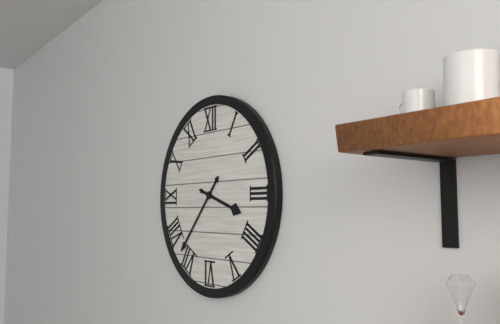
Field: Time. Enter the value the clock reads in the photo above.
3:37
